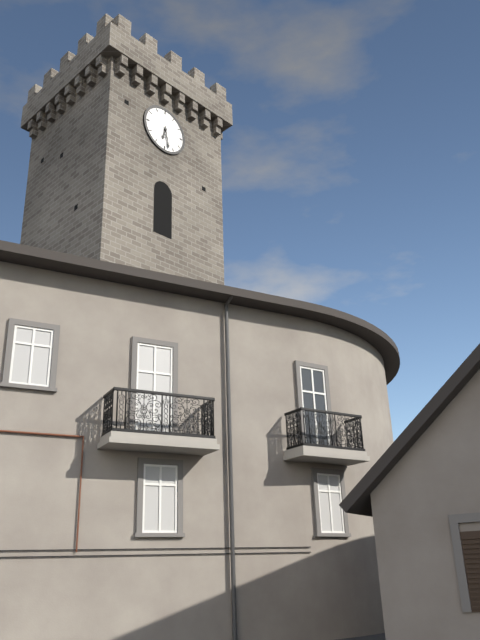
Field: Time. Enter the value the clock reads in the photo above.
6:28
